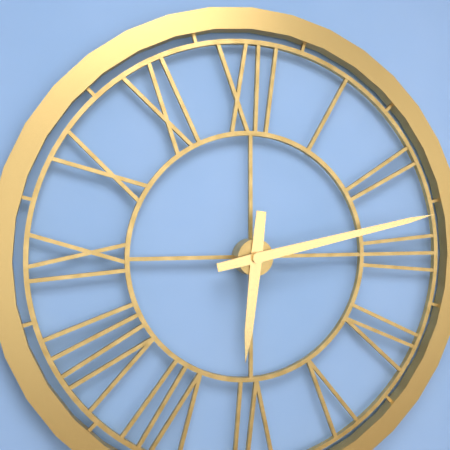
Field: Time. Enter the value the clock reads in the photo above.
6:13
